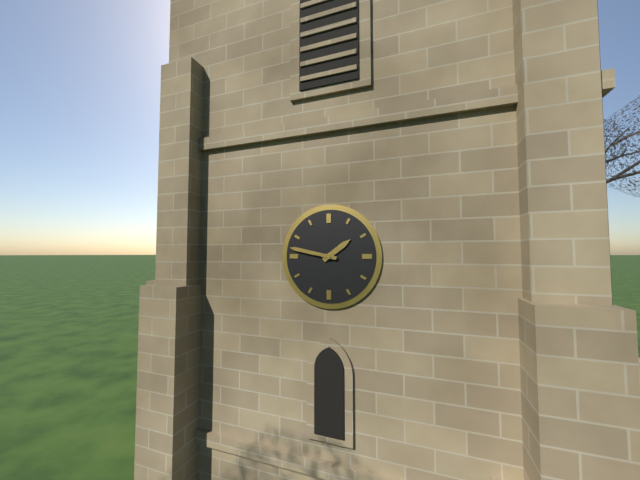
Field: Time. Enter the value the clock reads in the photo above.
1:47
